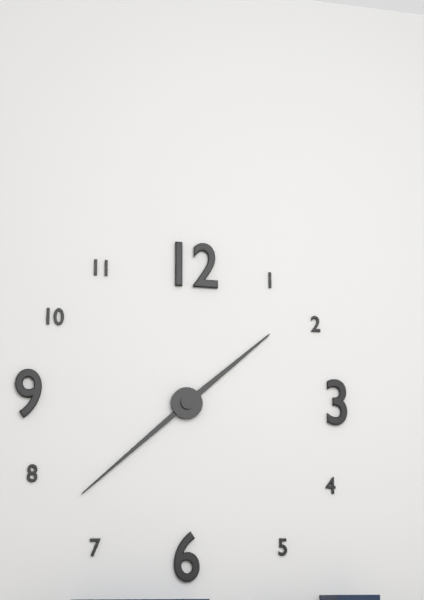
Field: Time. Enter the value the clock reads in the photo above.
1:38
